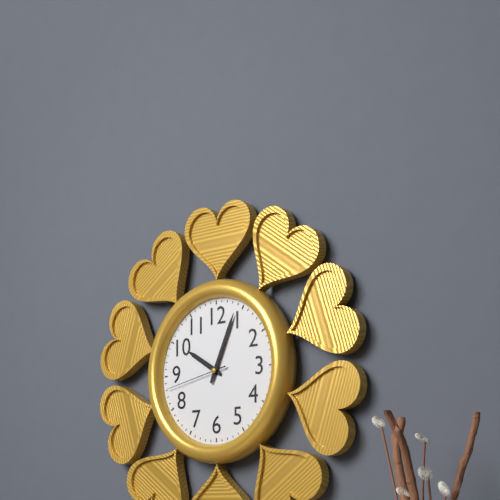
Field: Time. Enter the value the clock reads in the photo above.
10:04:43
